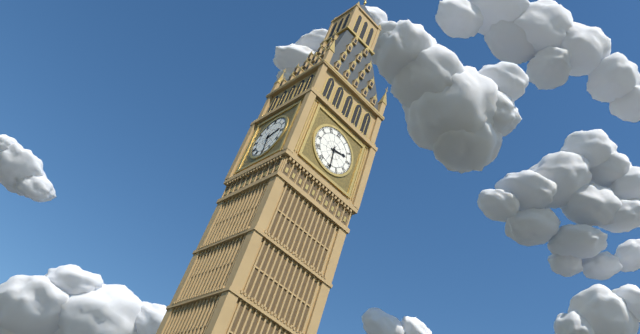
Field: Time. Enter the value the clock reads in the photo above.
2:29
